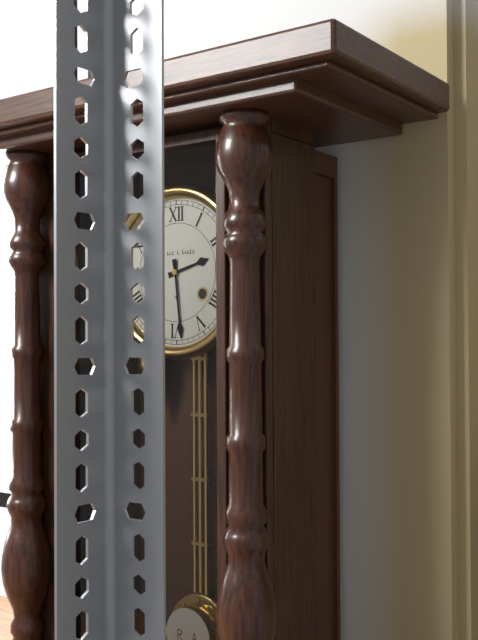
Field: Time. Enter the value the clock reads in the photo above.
2:29
